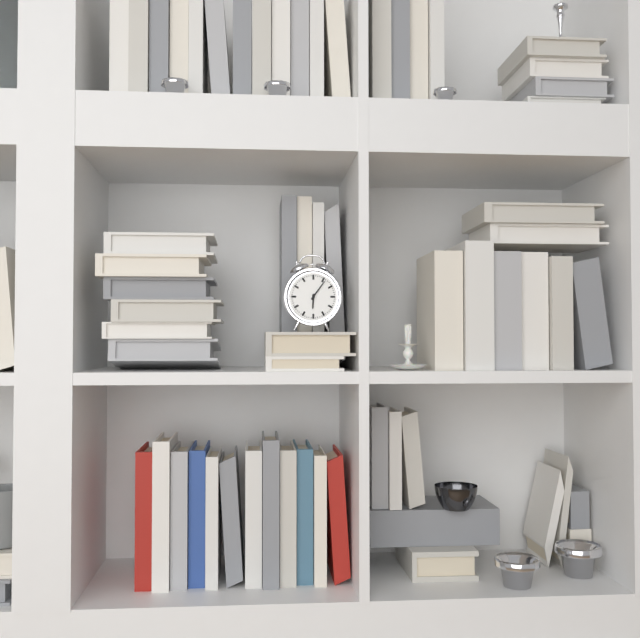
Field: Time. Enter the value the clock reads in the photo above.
6:06
